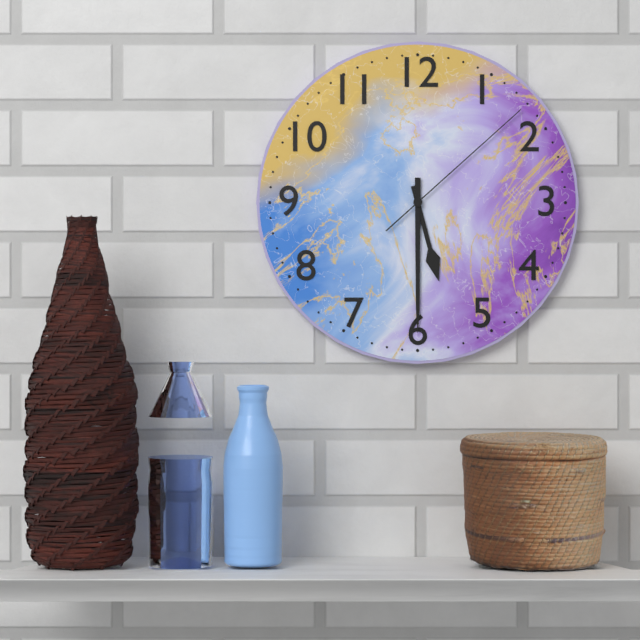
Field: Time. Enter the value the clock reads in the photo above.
5:30:08
